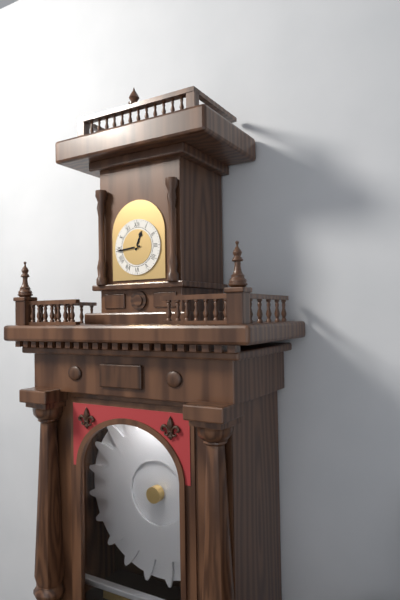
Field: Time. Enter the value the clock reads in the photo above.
12:44
